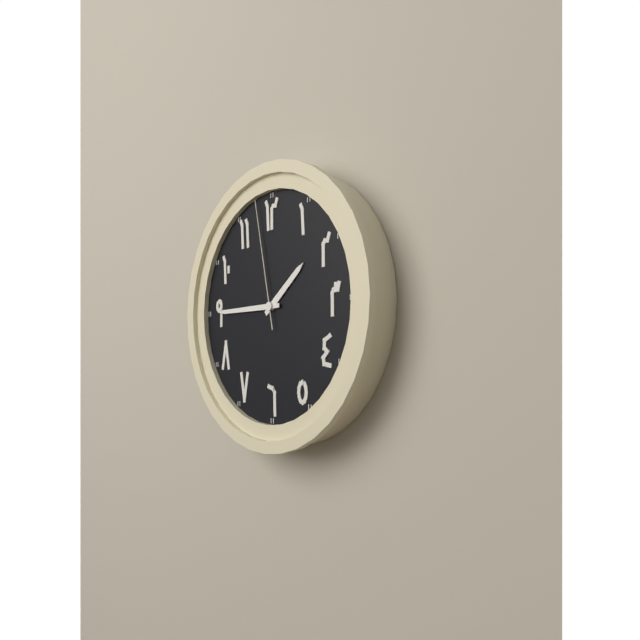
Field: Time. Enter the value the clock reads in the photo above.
1:45:58
